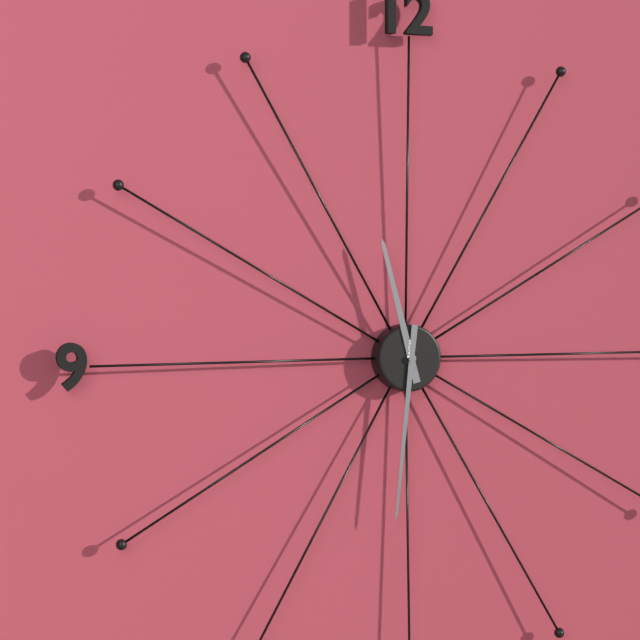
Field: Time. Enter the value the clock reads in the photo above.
11:31
